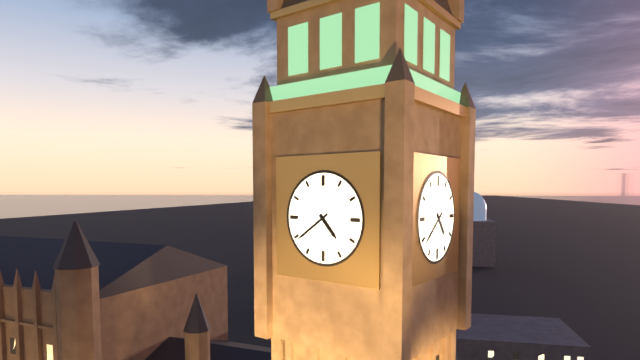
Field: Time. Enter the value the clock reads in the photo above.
4:39
